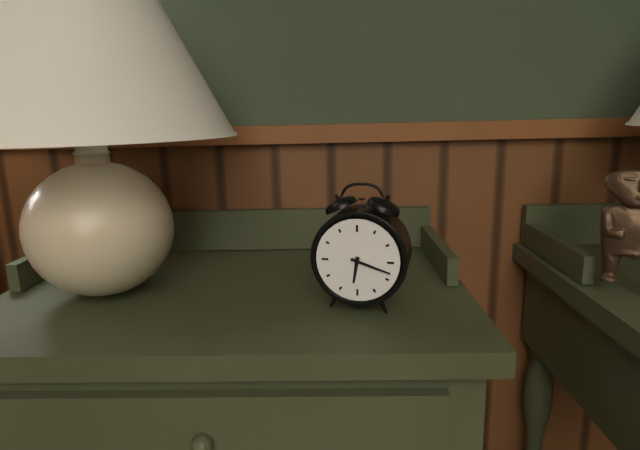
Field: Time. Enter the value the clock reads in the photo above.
6:18
